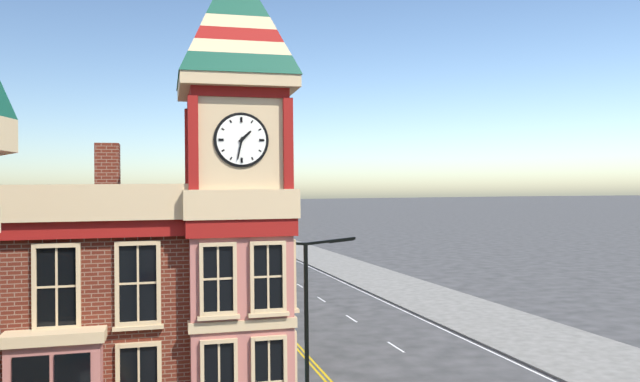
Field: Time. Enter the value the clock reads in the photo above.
1:32
